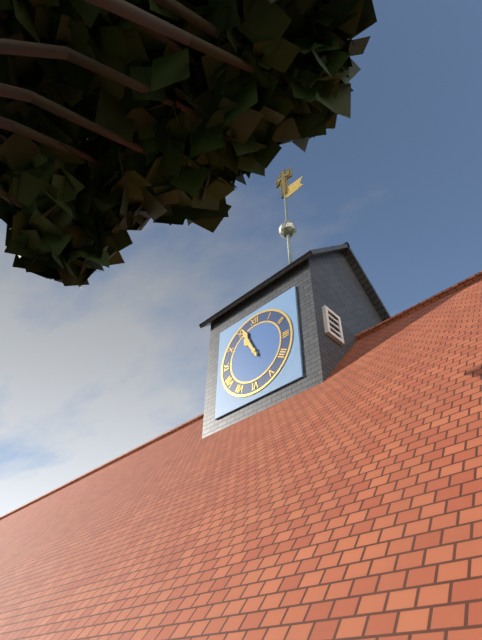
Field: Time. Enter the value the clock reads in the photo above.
10:56
